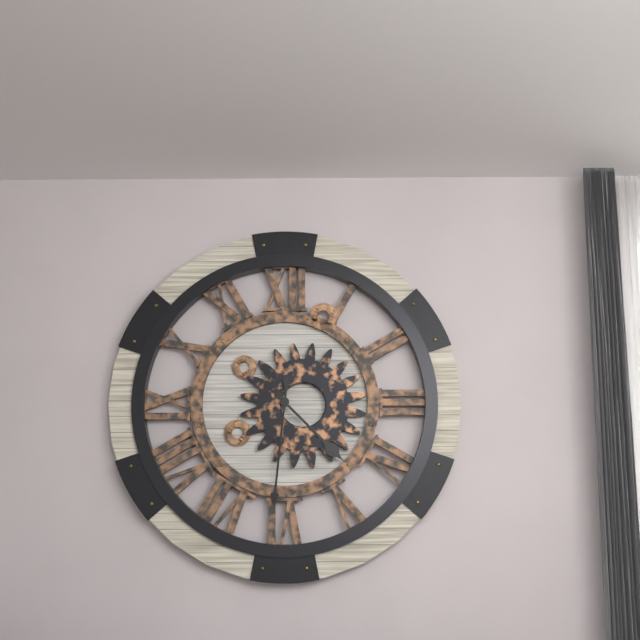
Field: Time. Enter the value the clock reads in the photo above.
4:31
